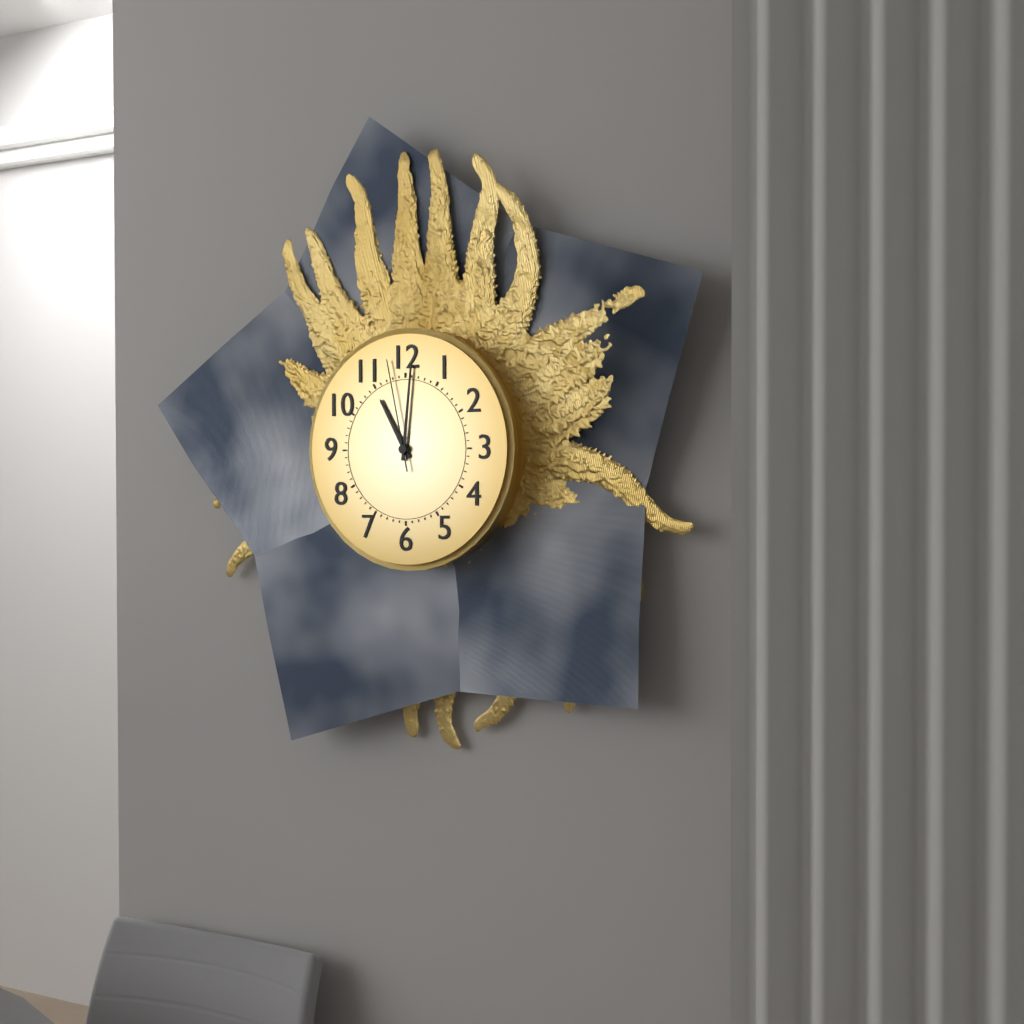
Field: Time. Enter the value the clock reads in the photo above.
11:01:58
